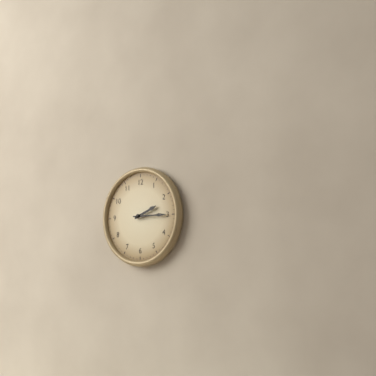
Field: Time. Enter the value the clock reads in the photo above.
2:15
